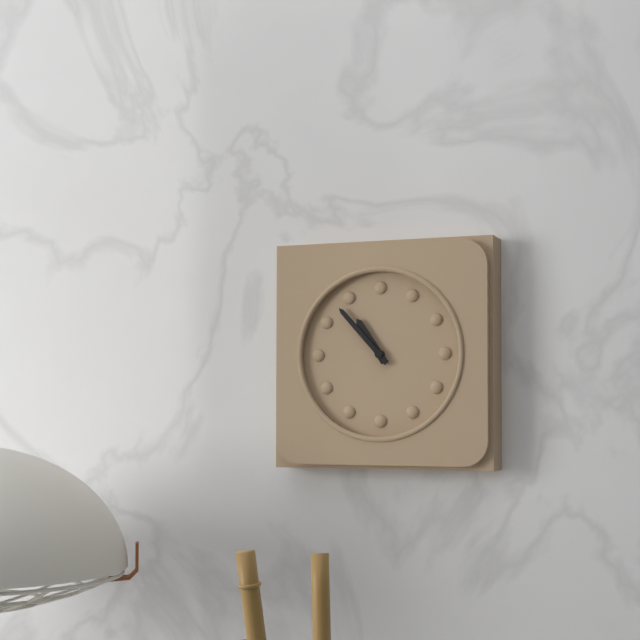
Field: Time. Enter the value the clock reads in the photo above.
10:53
